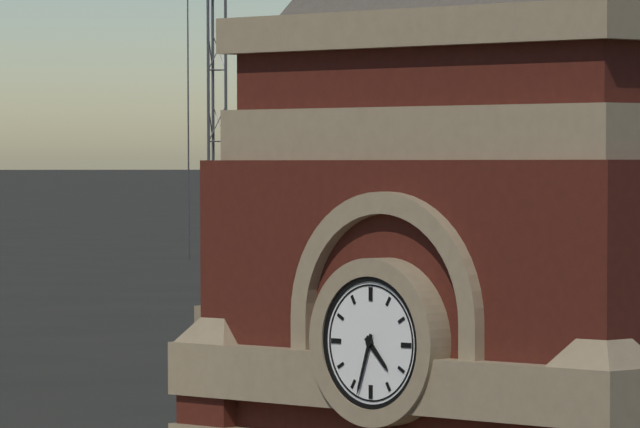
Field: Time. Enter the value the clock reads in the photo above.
4:33
